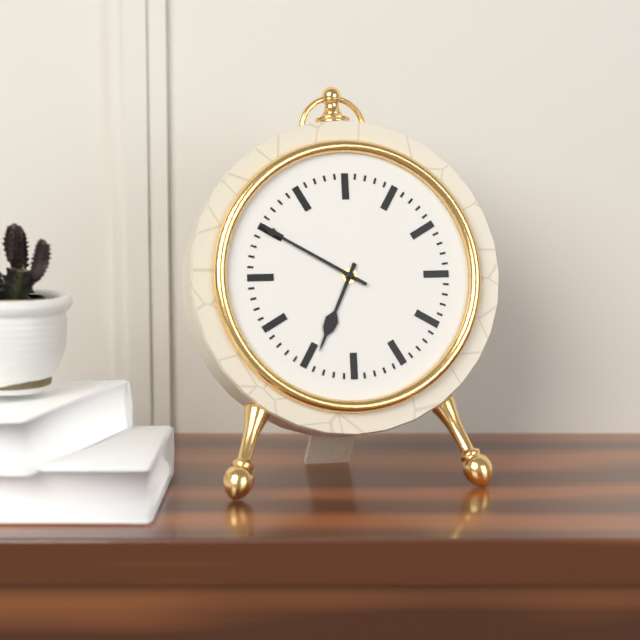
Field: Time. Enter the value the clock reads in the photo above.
6:50
